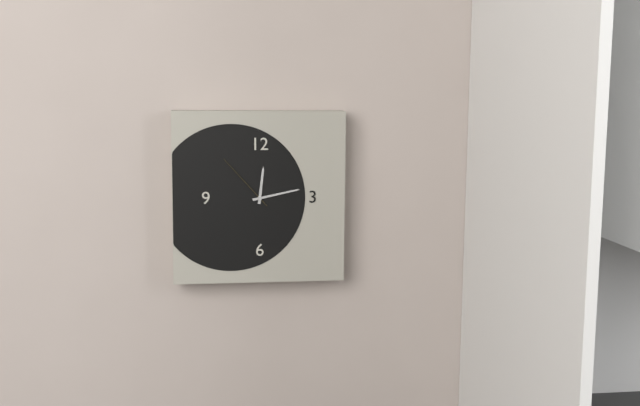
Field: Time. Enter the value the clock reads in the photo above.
12:13:53
